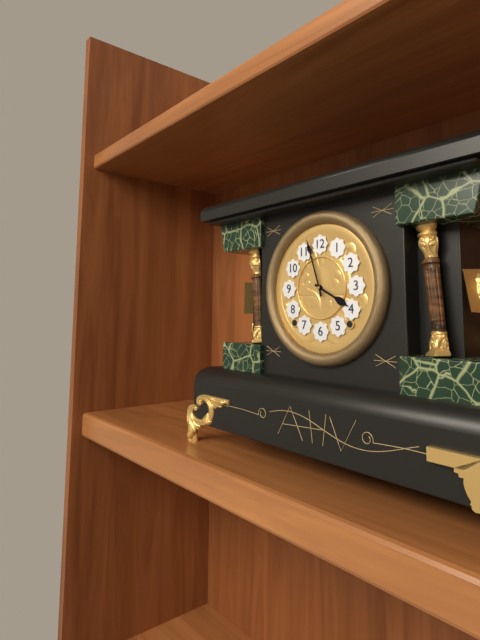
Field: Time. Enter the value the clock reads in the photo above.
3:57
